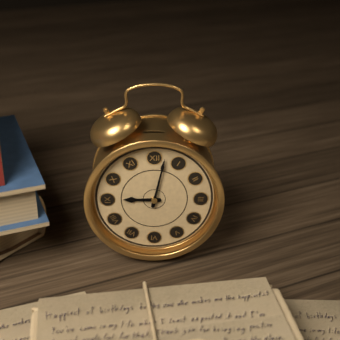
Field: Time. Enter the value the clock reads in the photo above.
9:02
